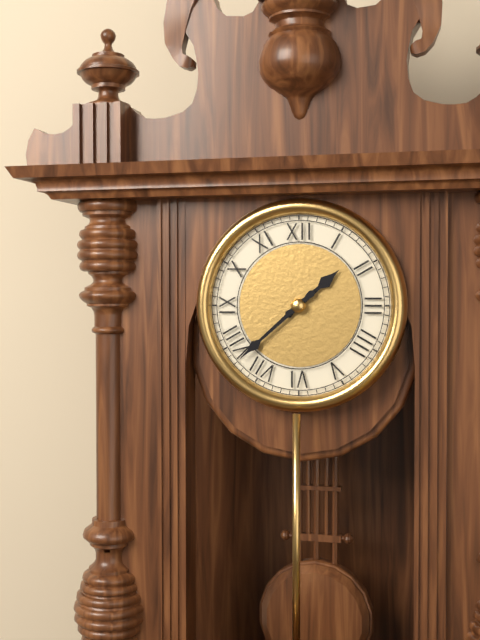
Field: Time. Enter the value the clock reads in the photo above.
1:38
